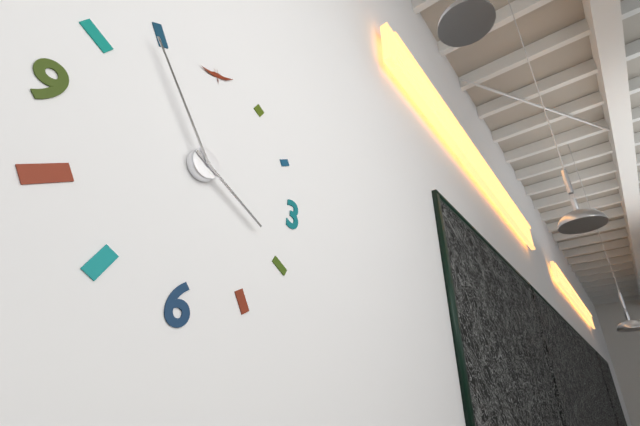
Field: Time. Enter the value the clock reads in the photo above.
3:54
